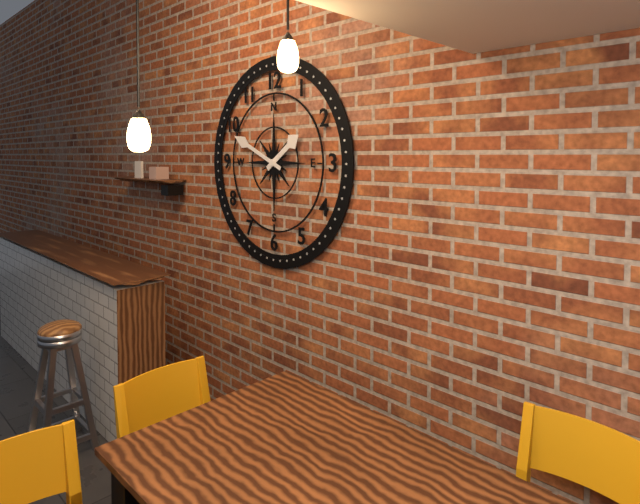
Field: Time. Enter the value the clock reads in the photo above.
1:49
